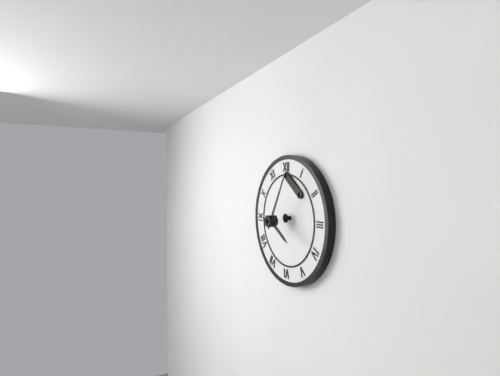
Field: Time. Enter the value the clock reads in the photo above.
4:05
